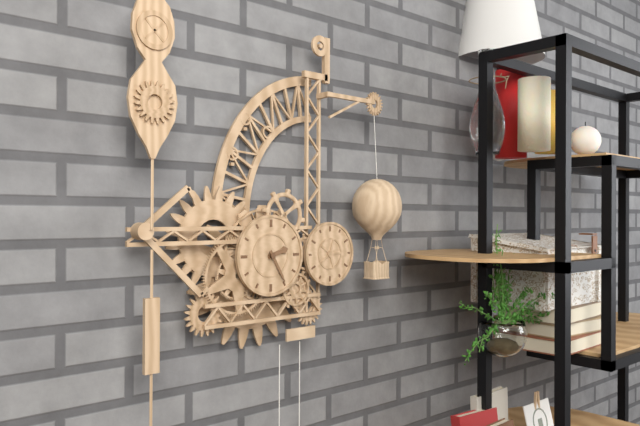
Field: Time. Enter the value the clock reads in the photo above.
2:25
